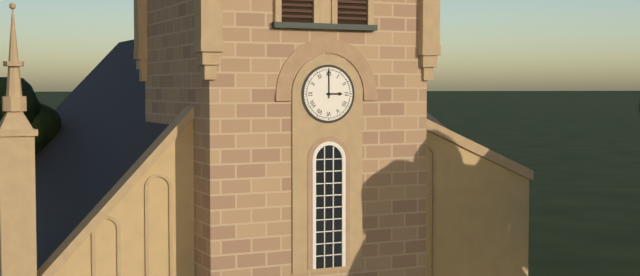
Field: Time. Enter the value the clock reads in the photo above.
3:00
